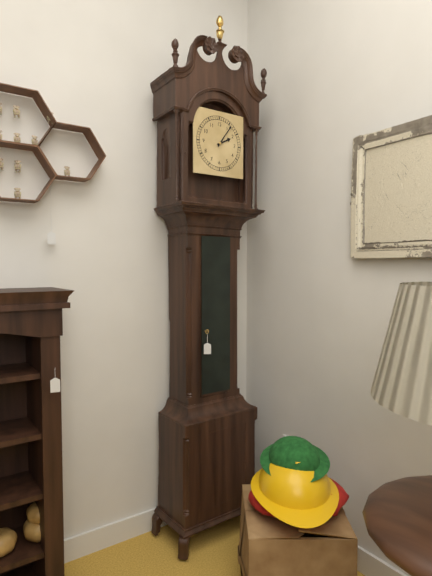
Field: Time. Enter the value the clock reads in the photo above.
2:06
